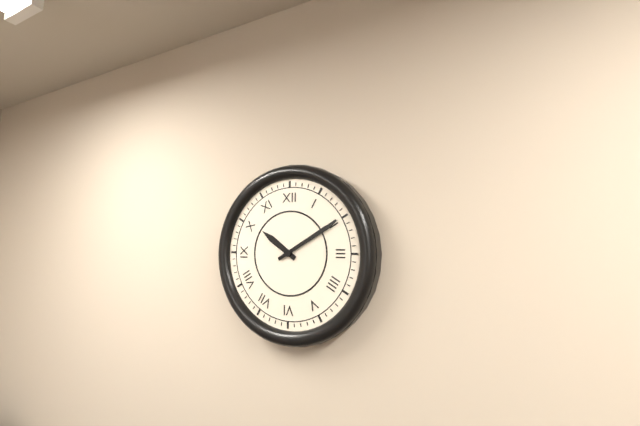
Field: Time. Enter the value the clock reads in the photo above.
10:10
